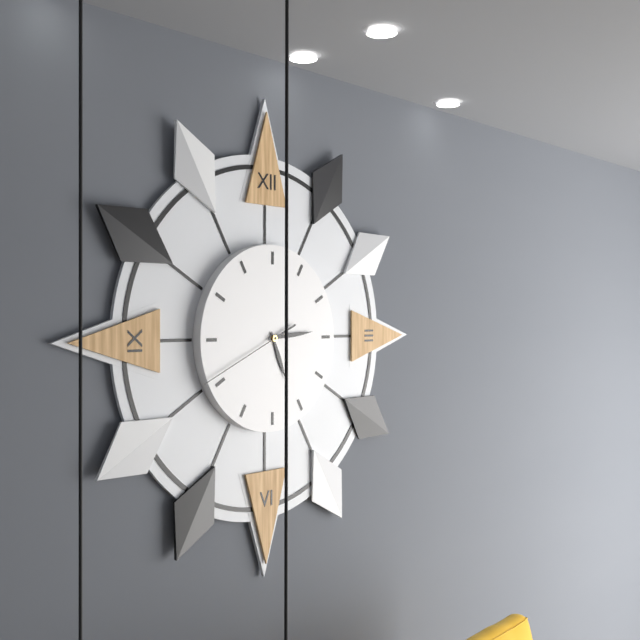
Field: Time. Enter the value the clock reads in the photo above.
5:14:41
